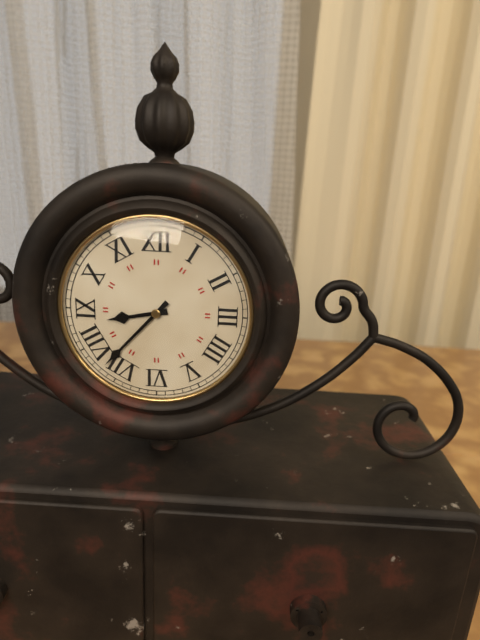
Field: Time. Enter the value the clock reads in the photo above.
8:37
